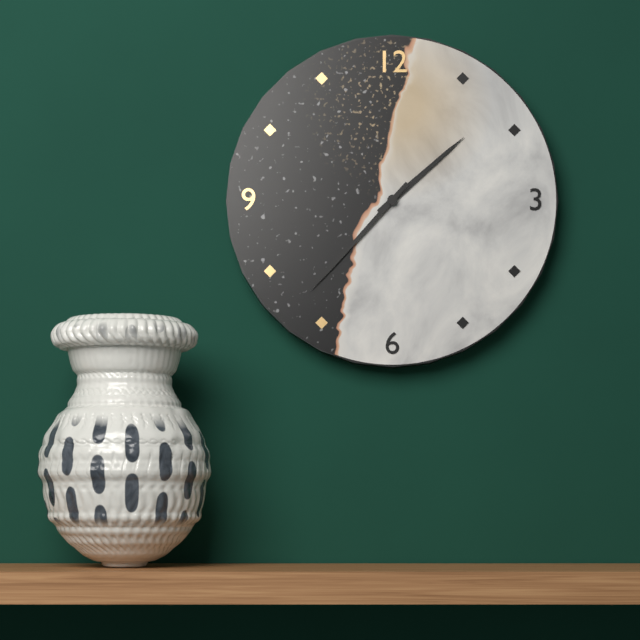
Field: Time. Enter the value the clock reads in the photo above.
1:37
